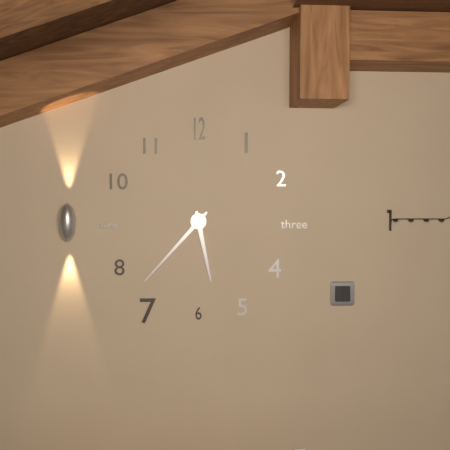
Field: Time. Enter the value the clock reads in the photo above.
5:37
